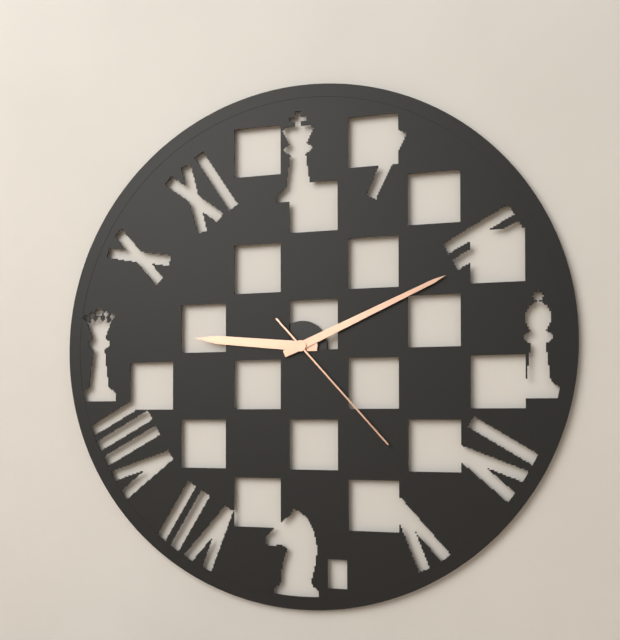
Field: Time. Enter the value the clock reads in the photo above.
9:11:23
